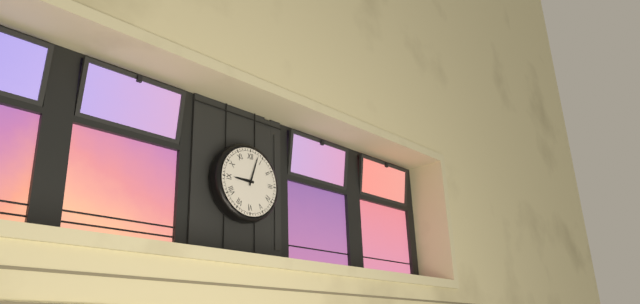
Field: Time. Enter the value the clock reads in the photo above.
9:03
